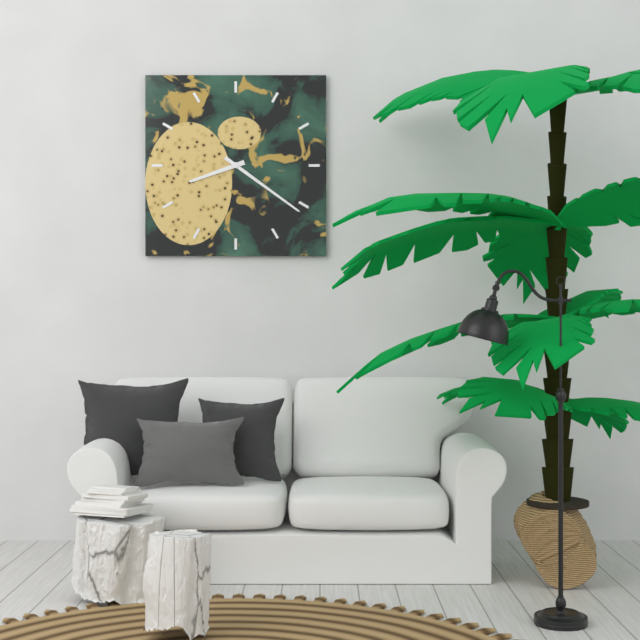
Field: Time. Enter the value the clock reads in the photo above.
8:21
